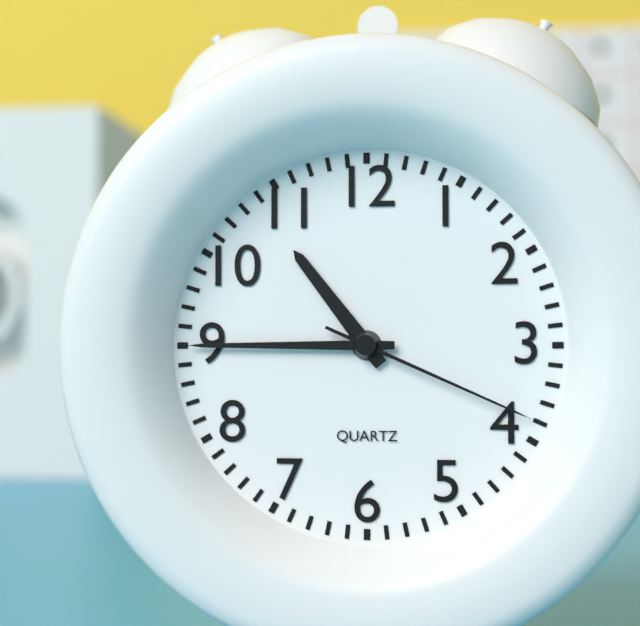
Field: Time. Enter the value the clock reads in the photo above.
10:45:19
